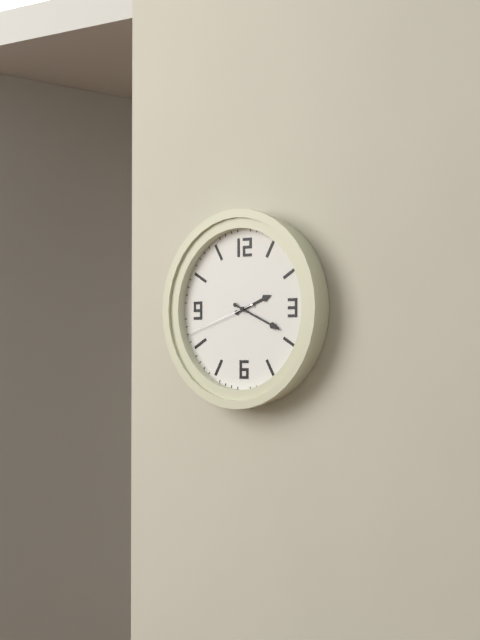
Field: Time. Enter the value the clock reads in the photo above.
2:19:42
